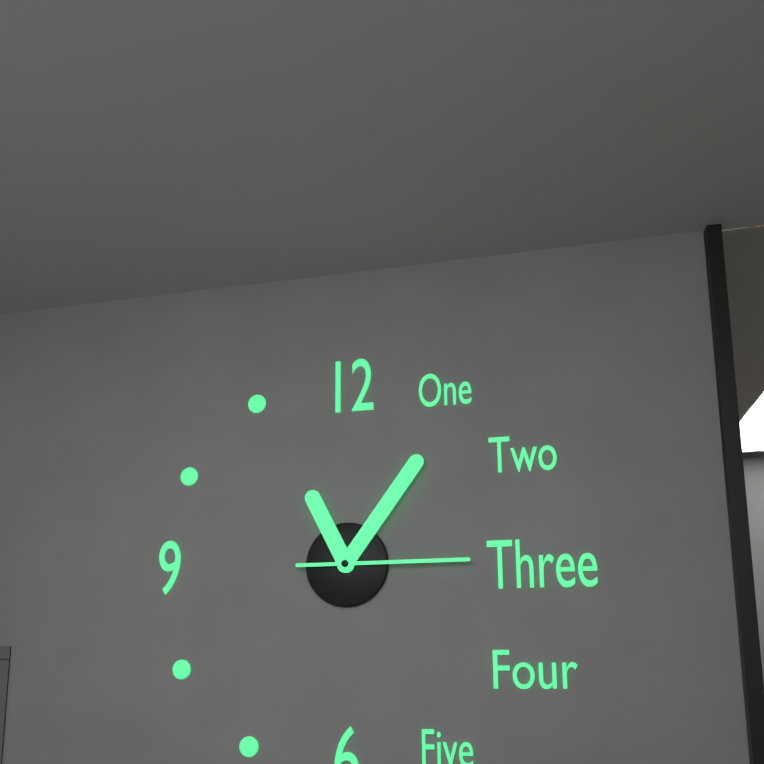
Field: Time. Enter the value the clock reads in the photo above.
11:06:15
